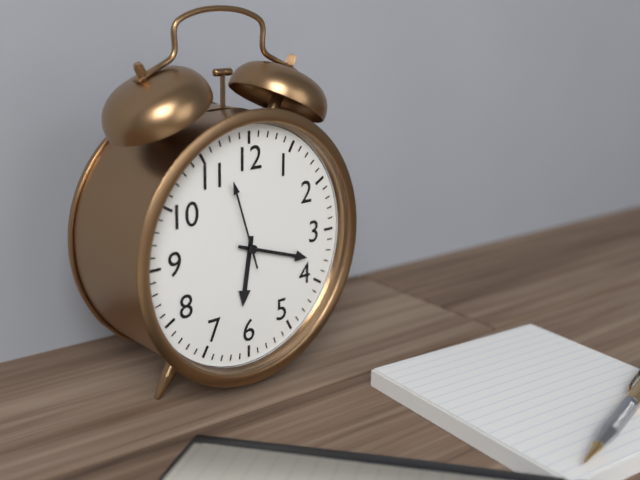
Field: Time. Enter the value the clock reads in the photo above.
6:18:57
